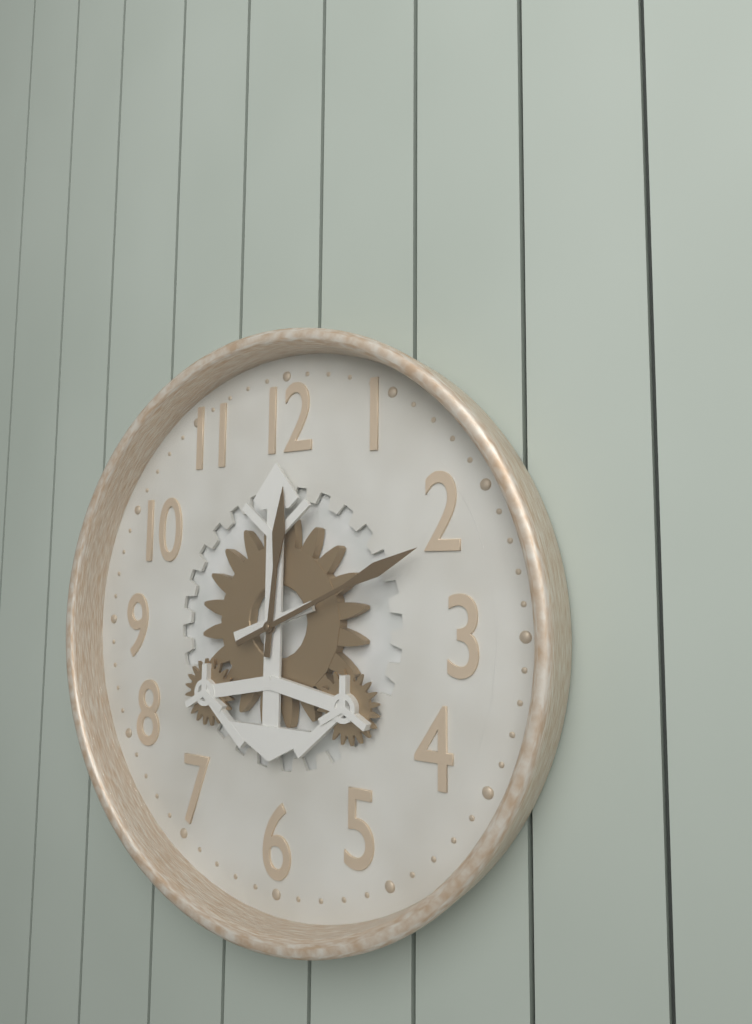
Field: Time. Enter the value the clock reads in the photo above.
12:11
